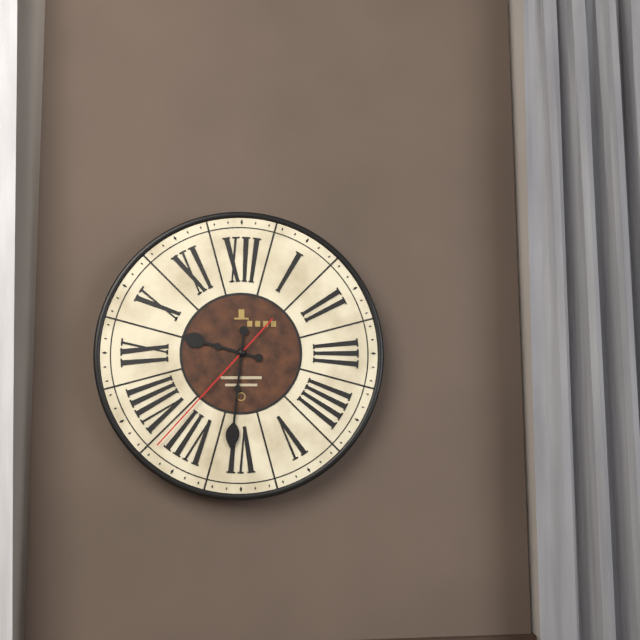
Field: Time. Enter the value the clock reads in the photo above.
9:31:37
